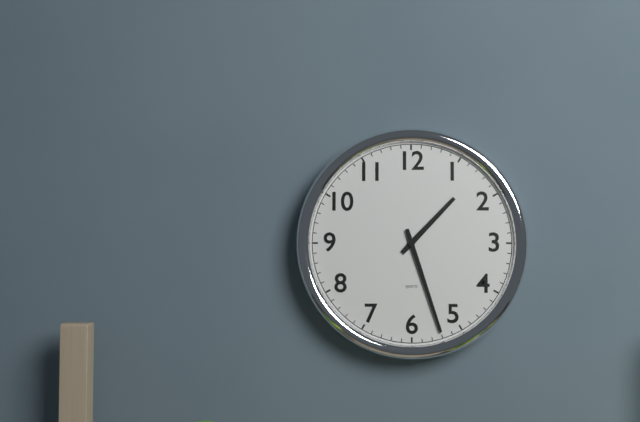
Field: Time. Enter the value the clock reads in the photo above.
1:27
